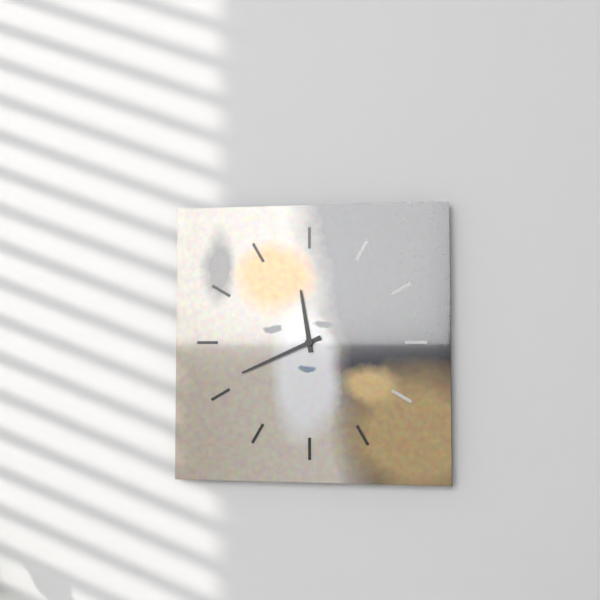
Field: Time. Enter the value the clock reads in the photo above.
11:41
